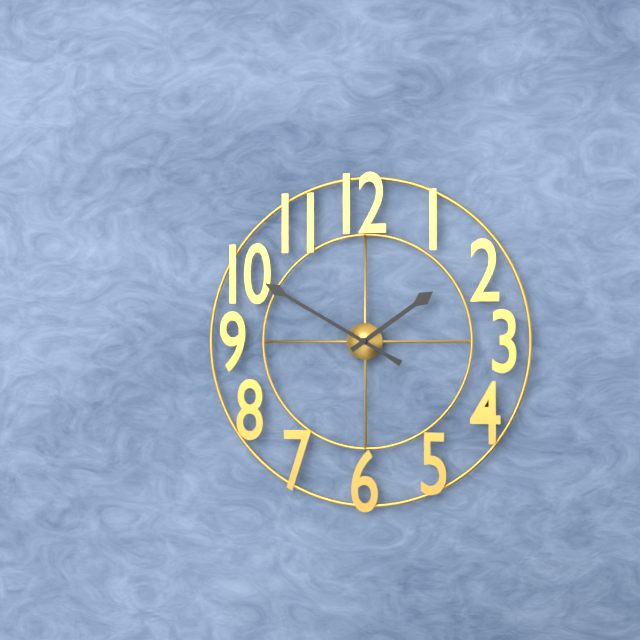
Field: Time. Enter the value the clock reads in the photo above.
1:50
